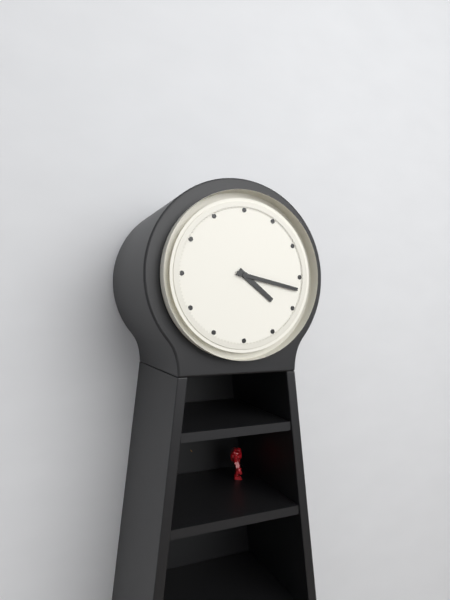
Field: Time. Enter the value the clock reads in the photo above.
4:17
